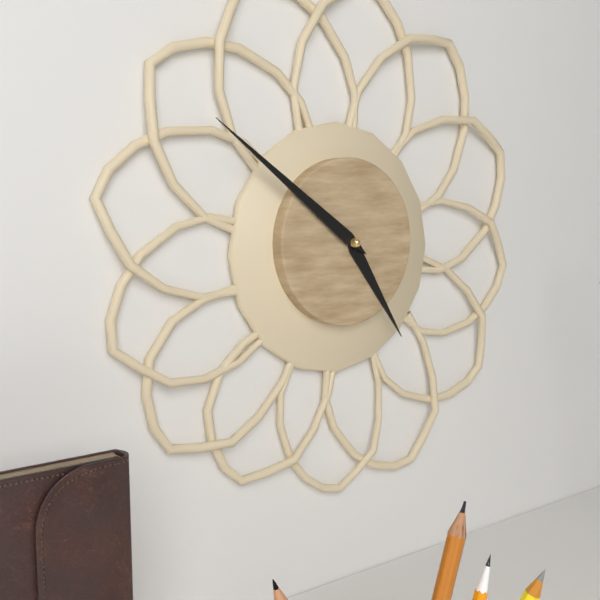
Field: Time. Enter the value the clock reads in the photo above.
4:51
